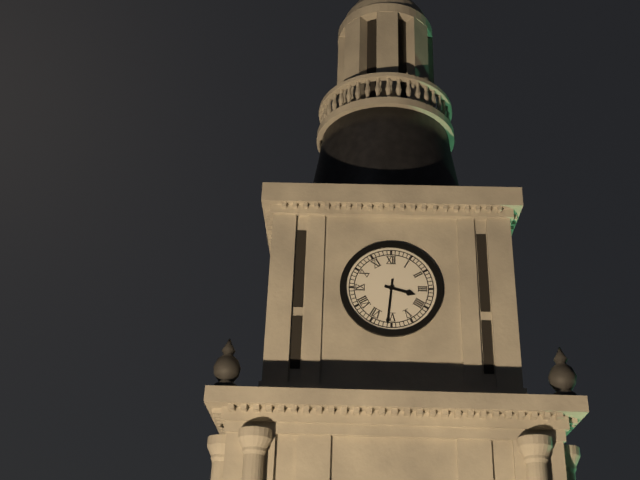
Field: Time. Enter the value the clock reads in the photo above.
3:31
